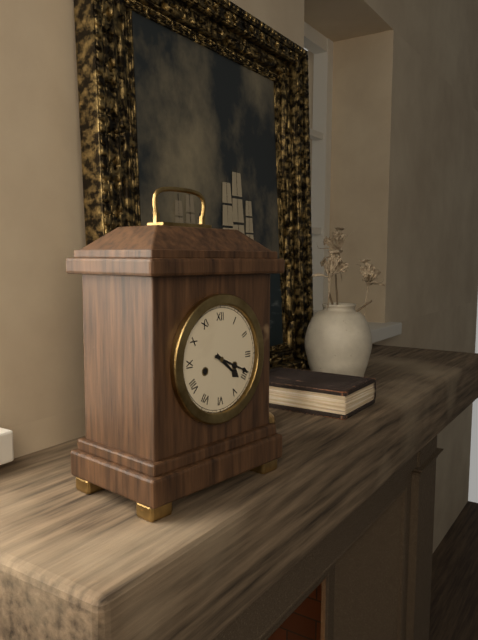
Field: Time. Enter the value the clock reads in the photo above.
4:19
